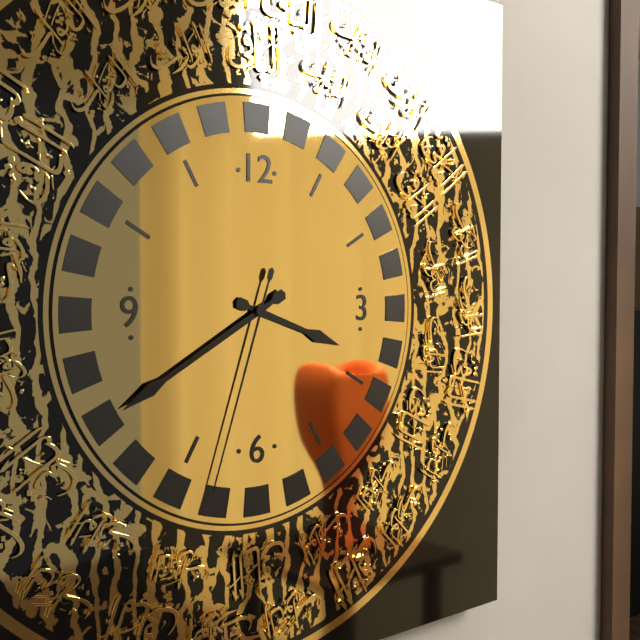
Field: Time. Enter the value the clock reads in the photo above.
3:40:33
